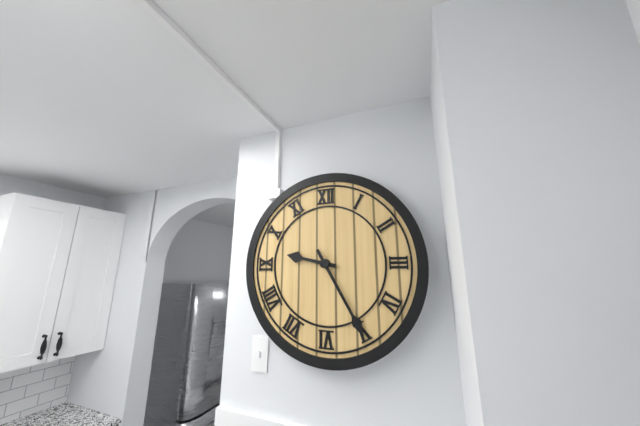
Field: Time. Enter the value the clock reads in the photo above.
9:25
